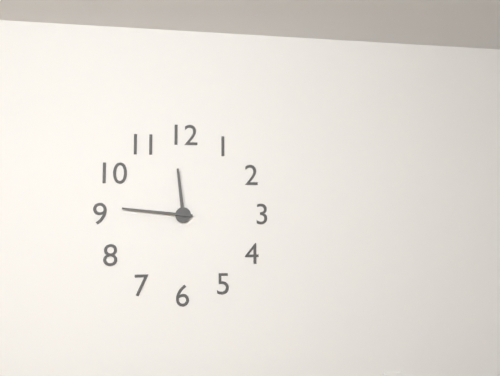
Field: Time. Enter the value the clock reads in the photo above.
11:46
